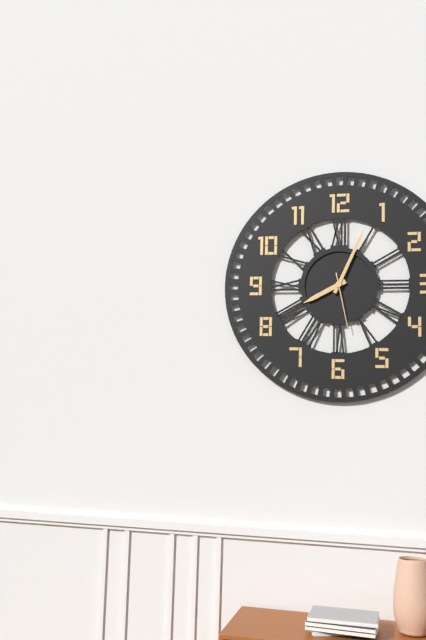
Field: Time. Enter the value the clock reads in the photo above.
8:04:28
